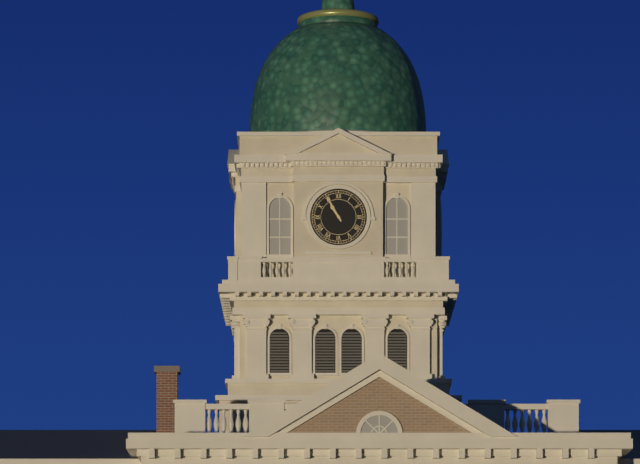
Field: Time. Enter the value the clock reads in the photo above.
10:55
